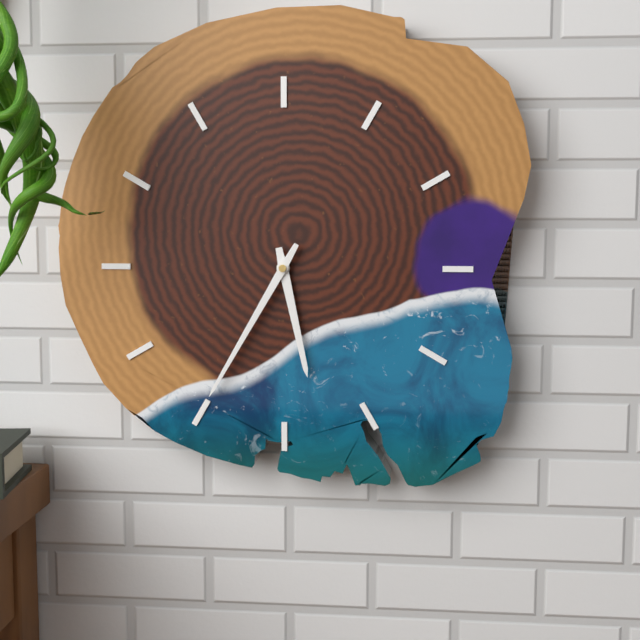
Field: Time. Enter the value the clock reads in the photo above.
5:35
